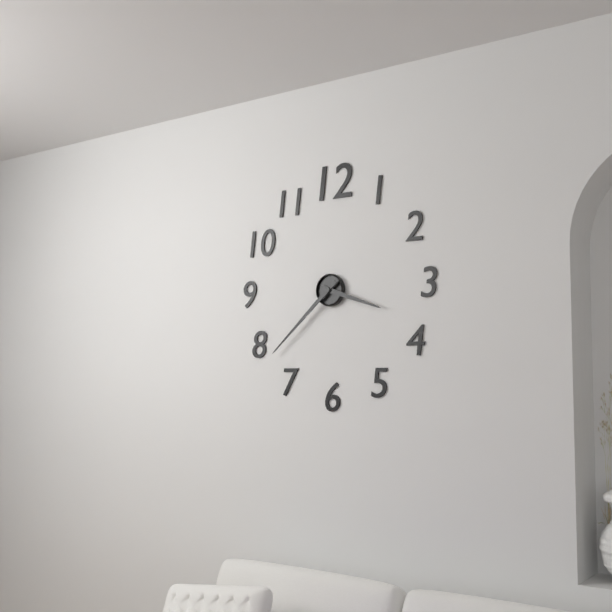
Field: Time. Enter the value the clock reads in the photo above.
3:38
